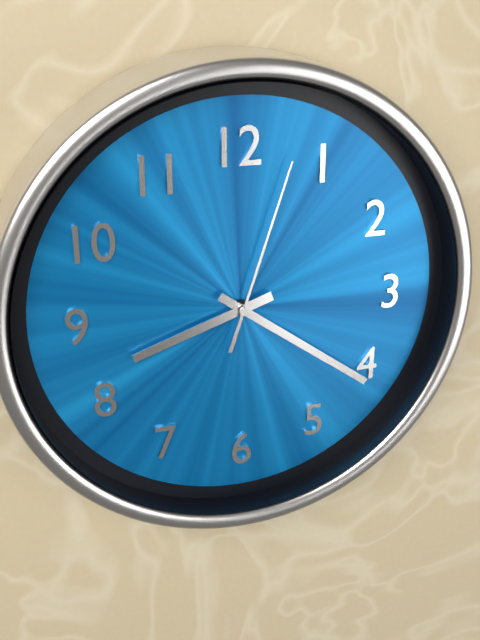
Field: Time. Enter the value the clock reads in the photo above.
8:21:03
